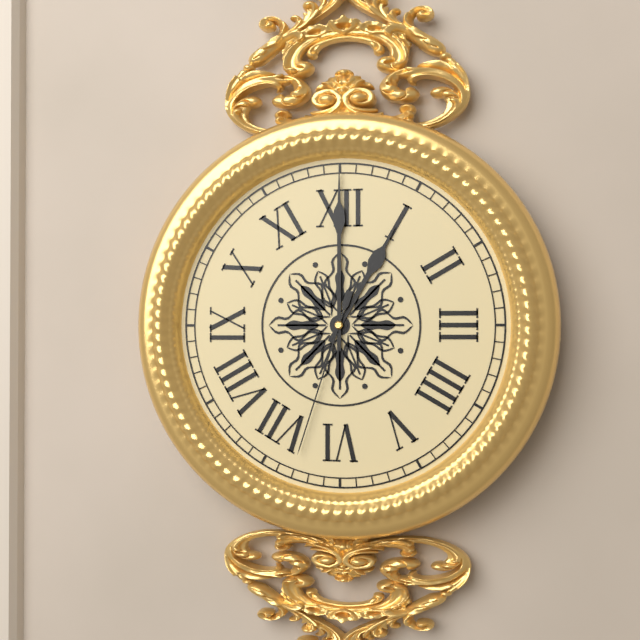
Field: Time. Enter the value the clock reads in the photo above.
1:00:33
